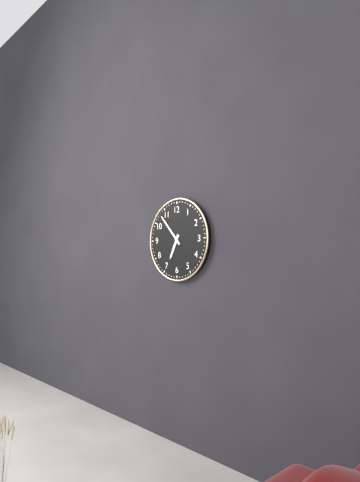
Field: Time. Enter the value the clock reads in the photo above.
6:53
